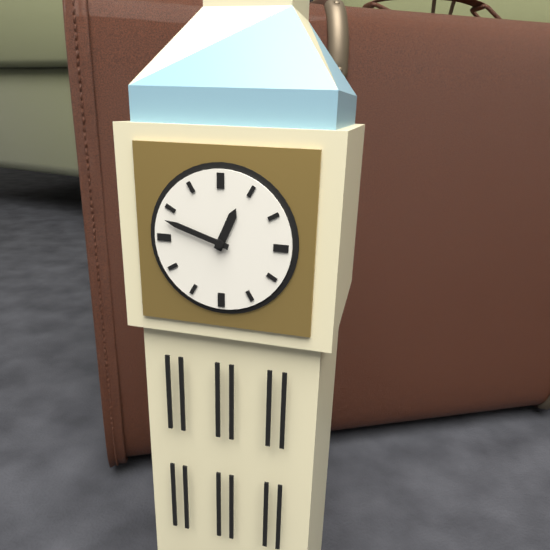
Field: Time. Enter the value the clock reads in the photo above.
12:48
